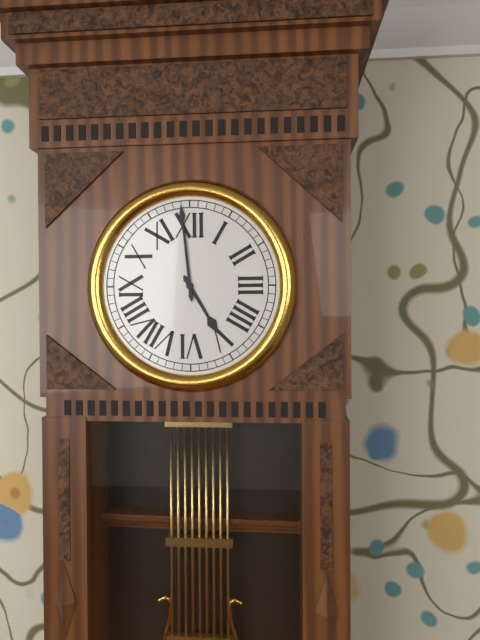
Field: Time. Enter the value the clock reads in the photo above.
4:59
